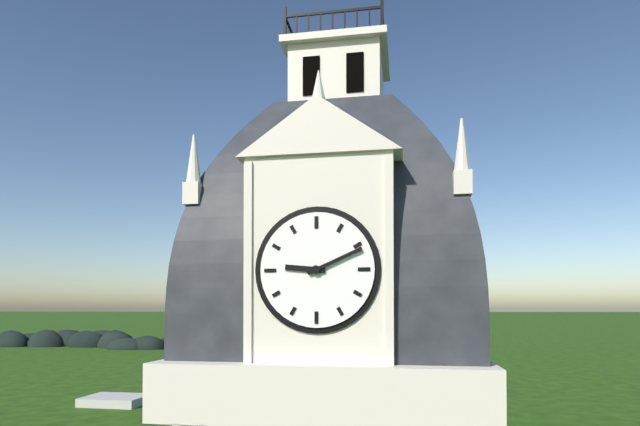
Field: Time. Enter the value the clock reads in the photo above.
9:11
